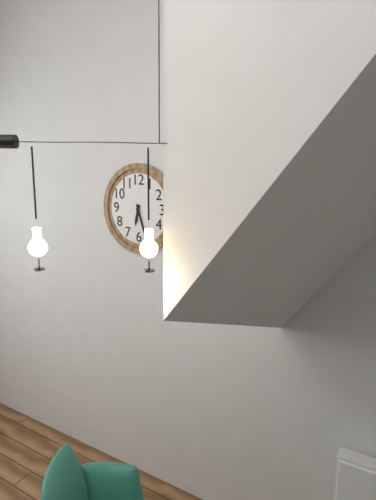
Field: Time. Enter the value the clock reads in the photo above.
6:27
